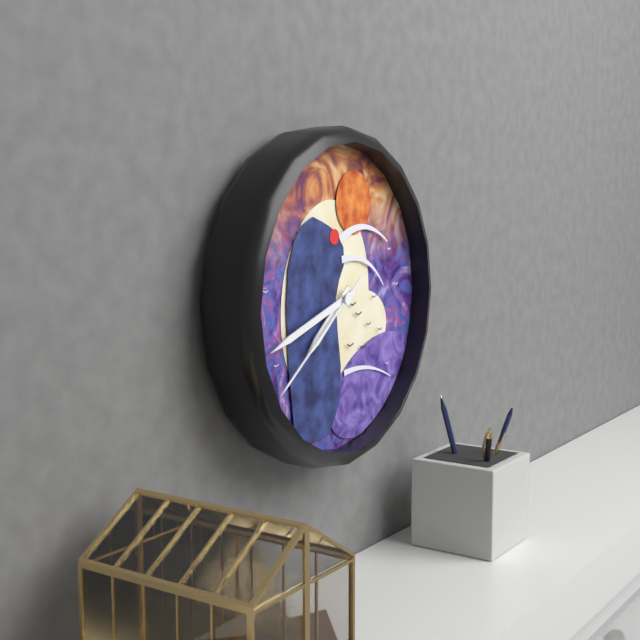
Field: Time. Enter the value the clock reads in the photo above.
7:42:39
